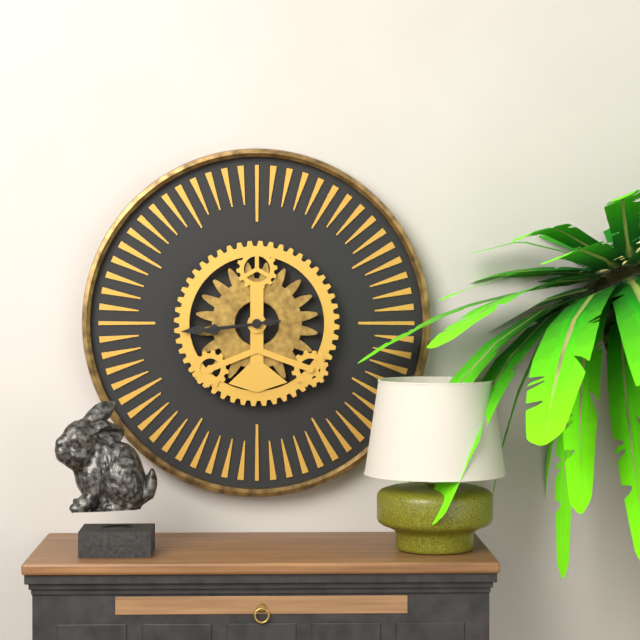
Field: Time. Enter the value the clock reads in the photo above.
8:44
